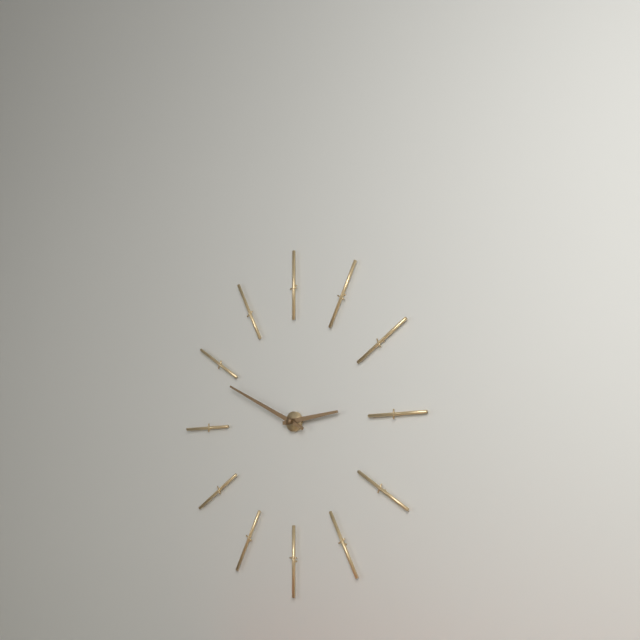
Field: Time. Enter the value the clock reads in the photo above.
2:49
